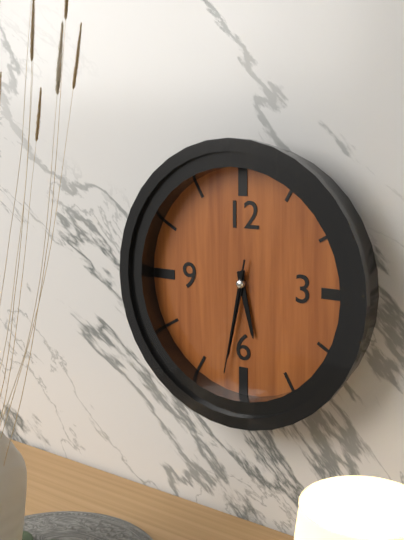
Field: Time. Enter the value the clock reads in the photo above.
5:32:32
